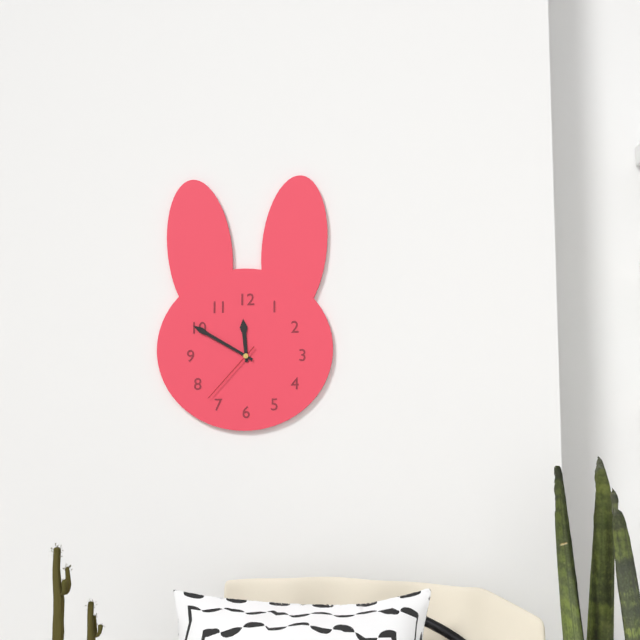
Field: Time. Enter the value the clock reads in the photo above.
11:50:37
